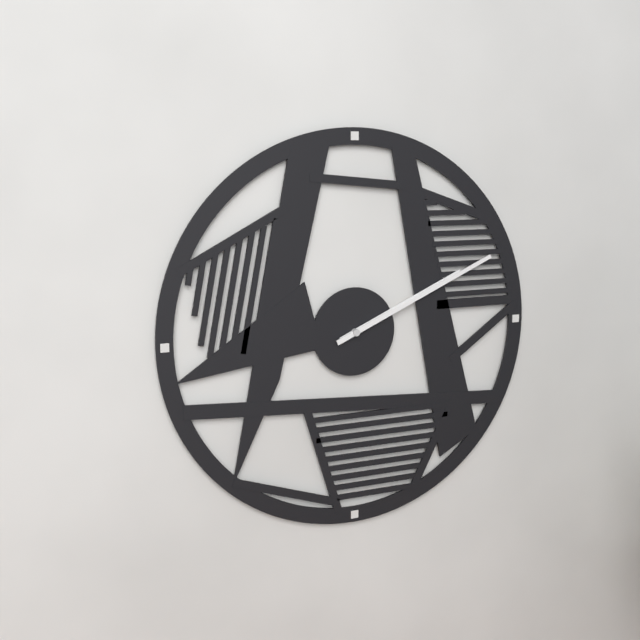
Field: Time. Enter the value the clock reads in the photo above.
2:11
